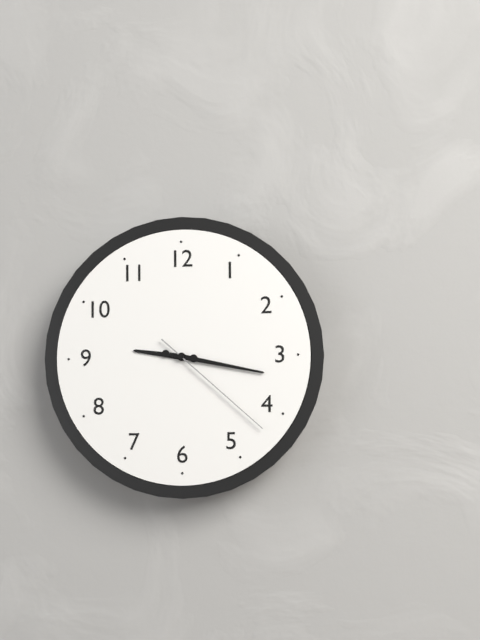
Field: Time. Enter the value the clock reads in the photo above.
9:17:22
